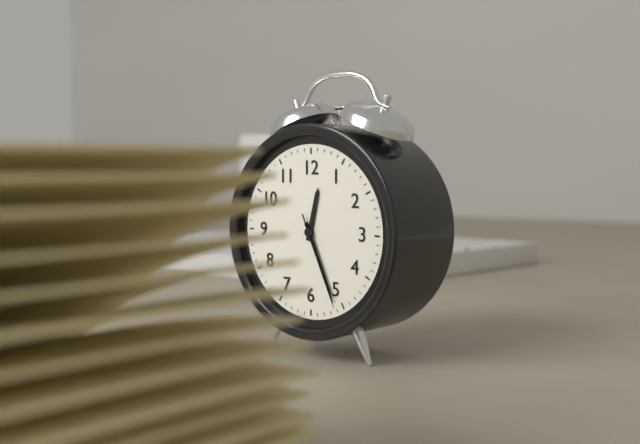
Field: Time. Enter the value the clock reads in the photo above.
12:26:26
